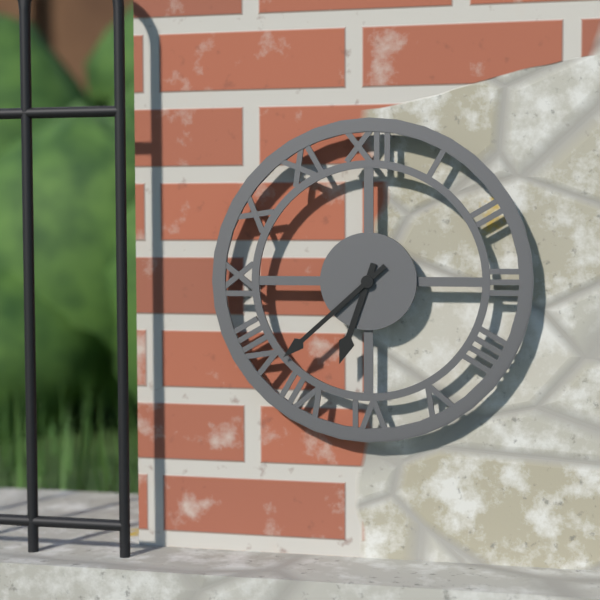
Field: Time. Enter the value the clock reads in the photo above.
6:38
